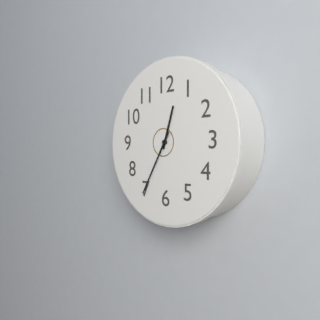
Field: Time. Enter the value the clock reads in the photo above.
12:35
